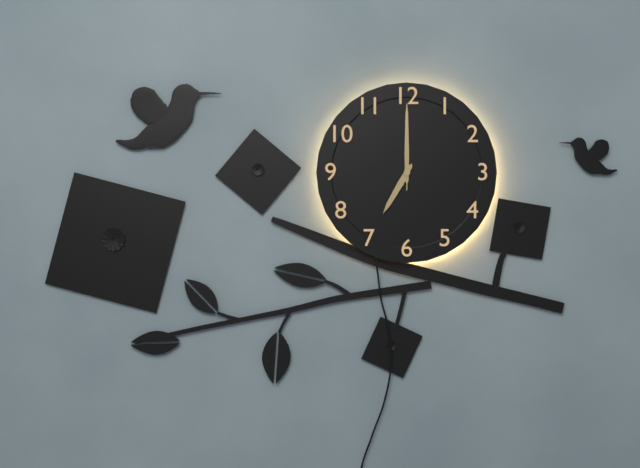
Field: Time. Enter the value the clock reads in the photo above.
7:00:00
